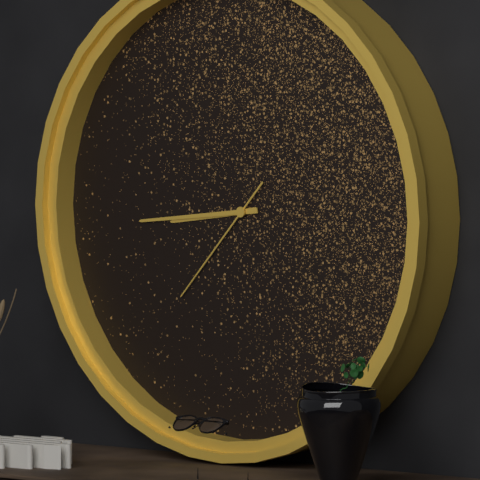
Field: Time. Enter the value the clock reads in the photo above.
8:44:37
